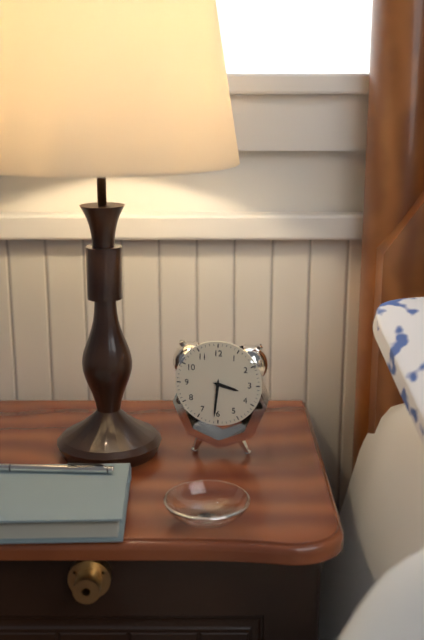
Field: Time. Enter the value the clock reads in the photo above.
3:31
